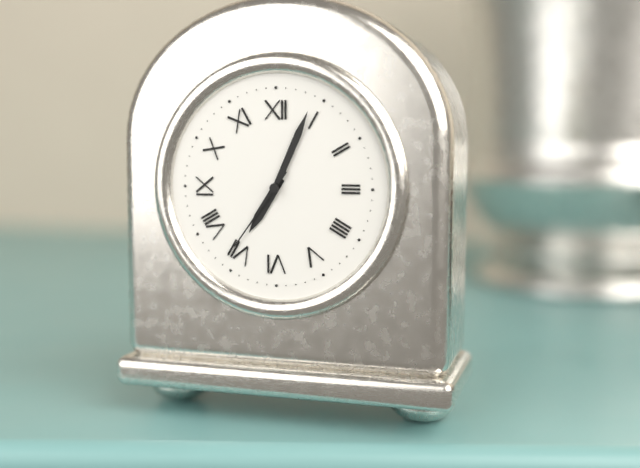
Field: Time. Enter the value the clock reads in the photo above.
7:04:36
